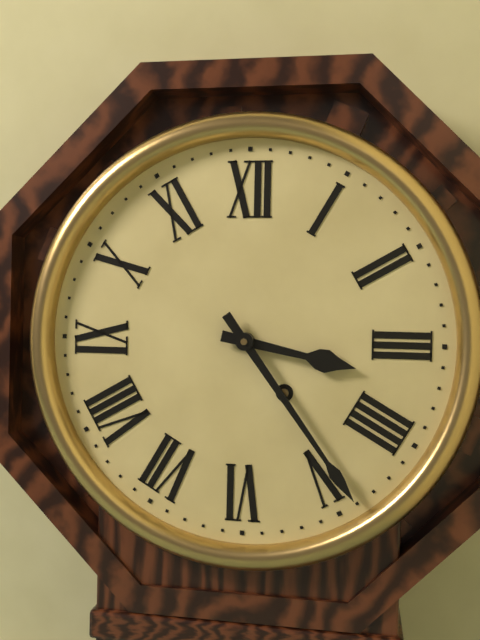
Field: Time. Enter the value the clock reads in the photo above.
3:24
